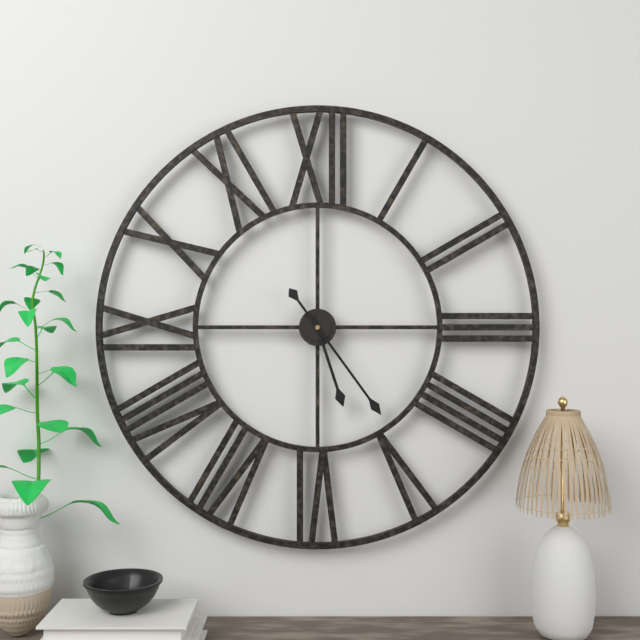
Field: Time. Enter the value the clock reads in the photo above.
5:24
